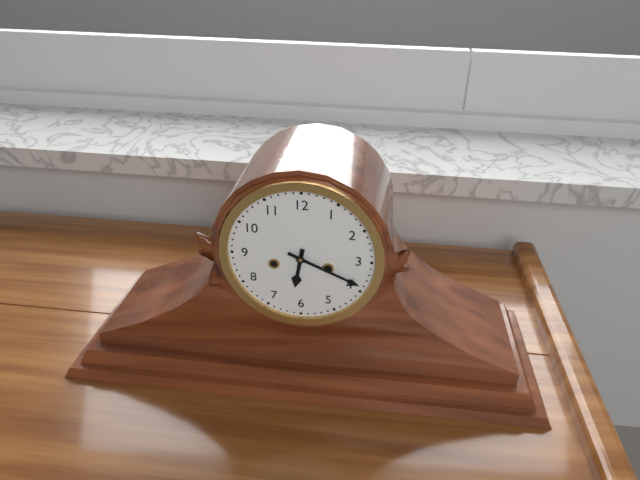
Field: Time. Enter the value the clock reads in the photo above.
6:19
